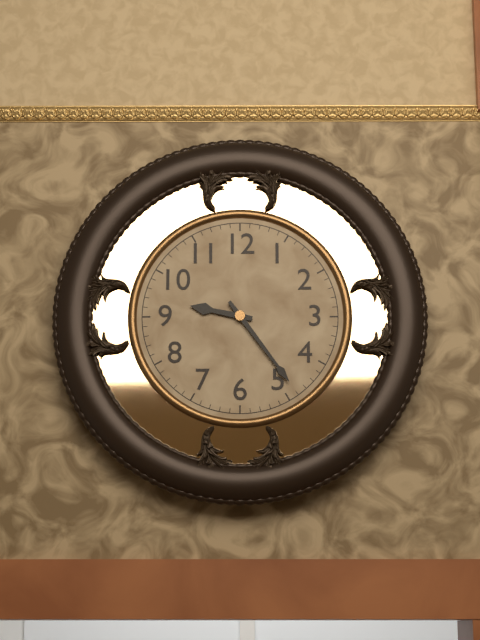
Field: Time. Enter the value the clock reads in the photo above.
9:24
